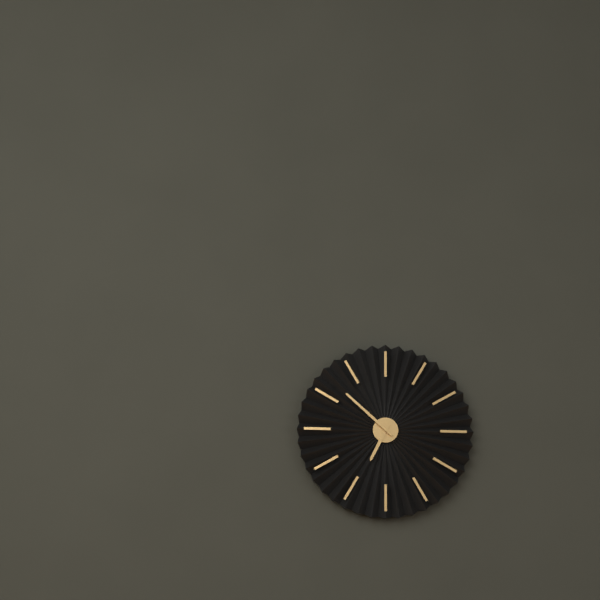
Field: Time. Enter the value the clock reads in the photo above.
6:52
